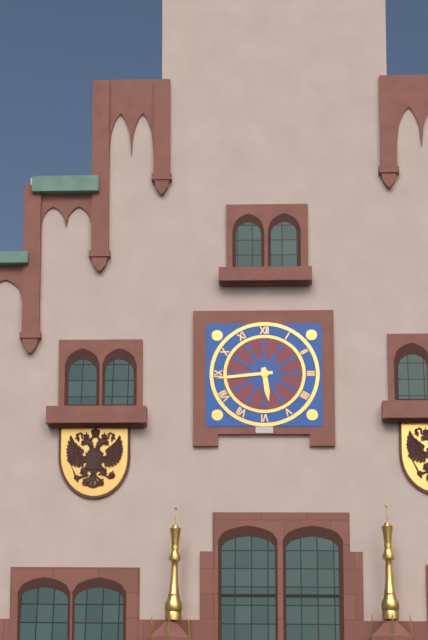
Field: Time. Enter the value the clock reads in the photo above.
5:44
